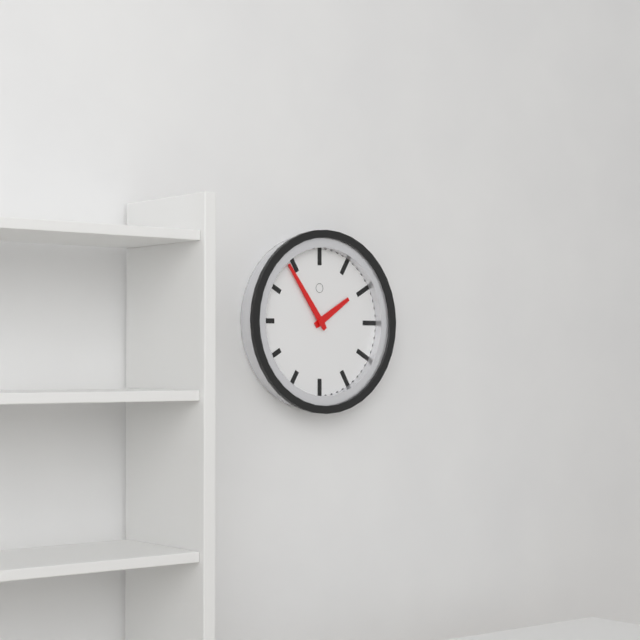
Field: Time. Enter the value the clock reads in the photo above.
1:54
